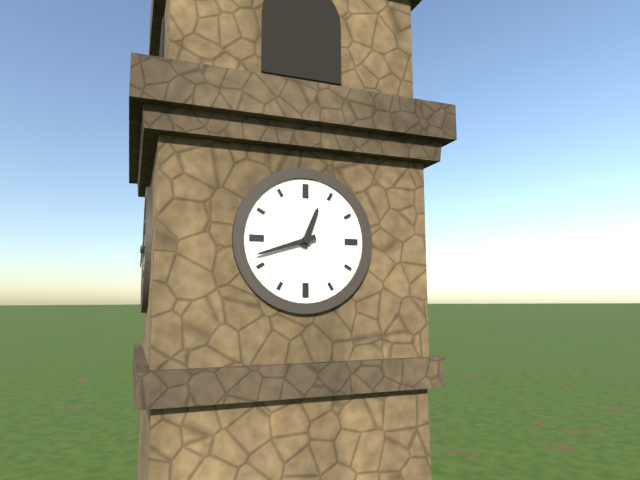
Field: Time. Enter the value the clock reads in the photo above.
12:42
